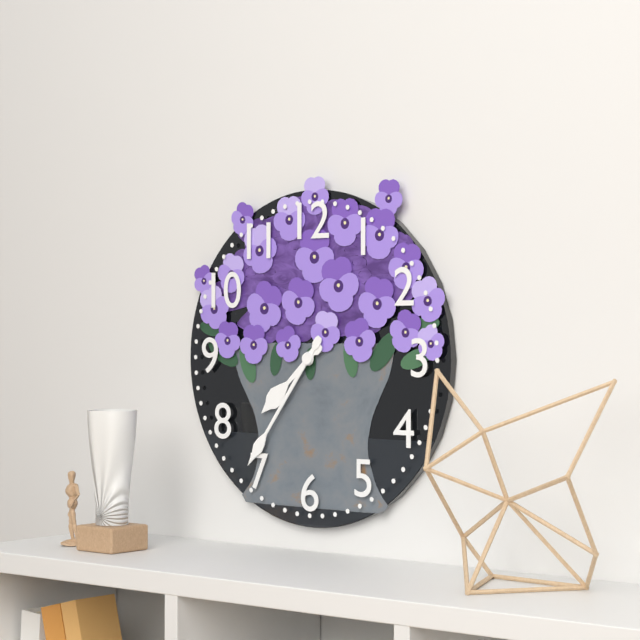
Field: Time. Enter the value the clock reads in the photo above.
7:36
